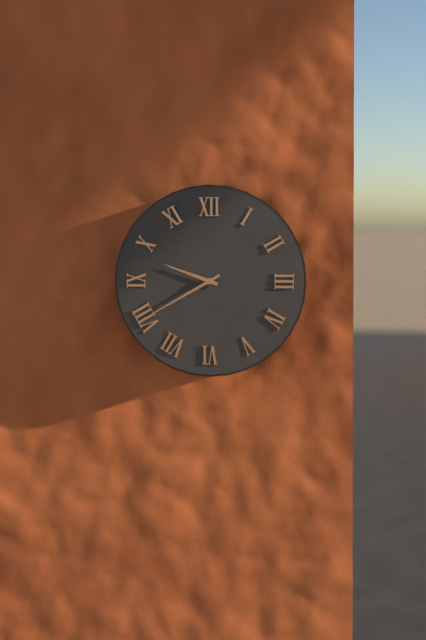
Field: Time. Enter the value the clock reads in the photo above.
9:40
